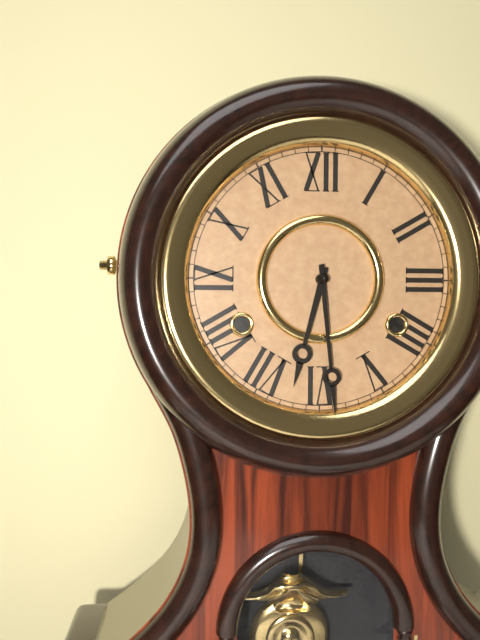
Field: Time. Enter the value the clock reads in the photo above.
6:29
